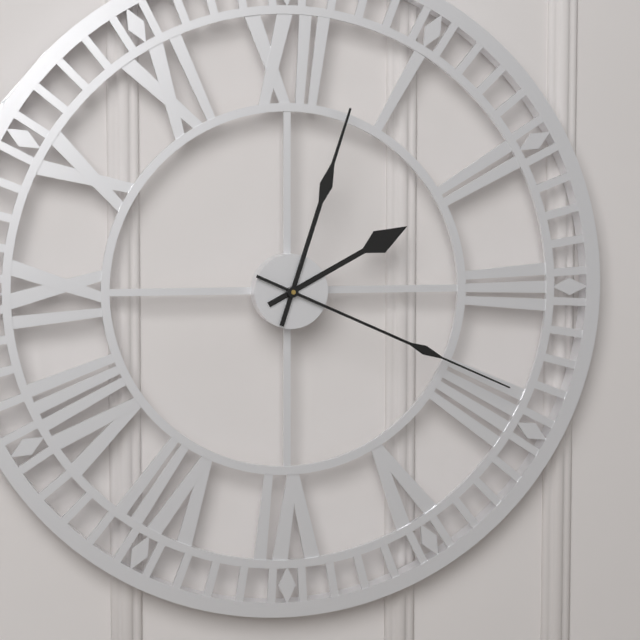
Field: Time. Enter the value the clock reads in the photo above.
2:03:19
